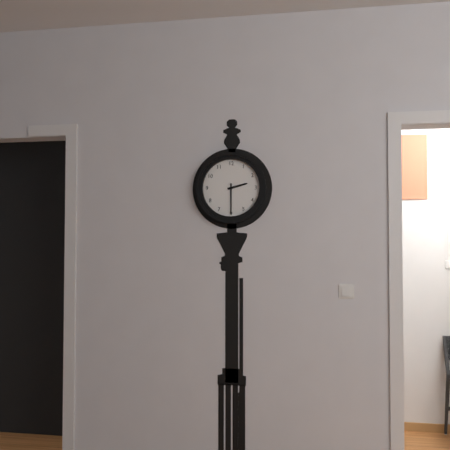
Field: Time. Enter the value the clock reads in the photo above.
2:30
